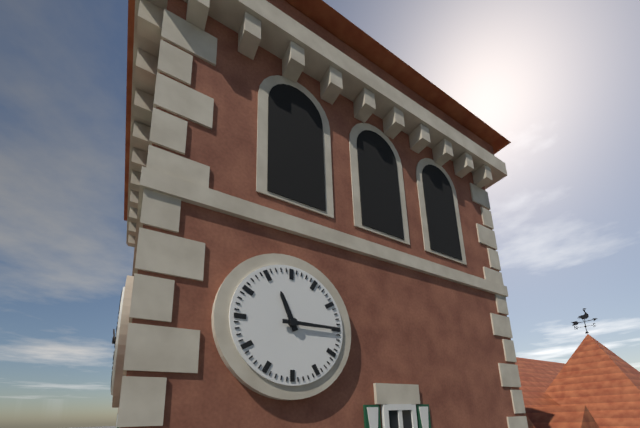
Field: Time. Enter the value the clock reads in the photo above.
11:15
